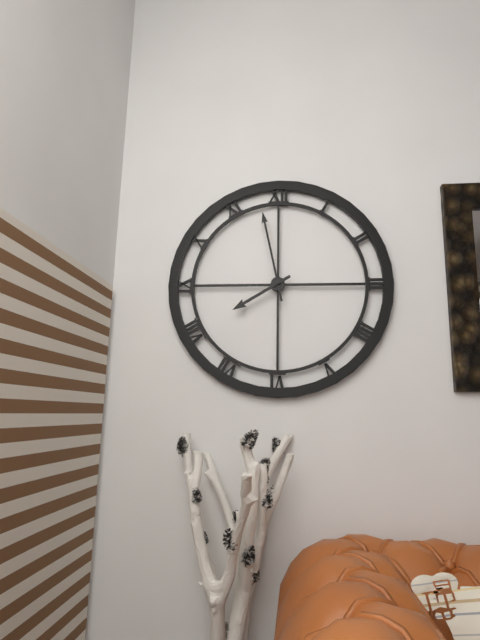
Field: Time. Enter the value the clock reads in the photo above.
7:58
